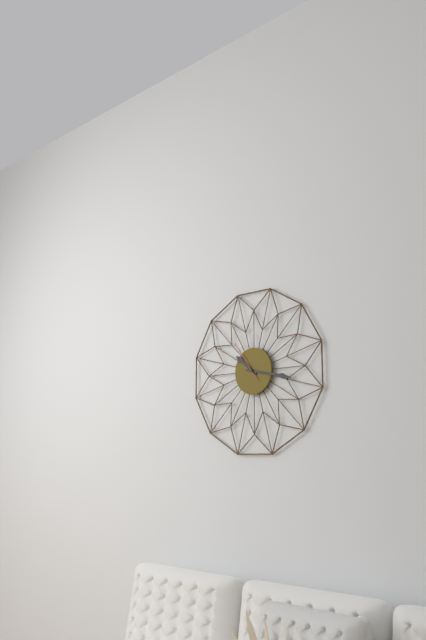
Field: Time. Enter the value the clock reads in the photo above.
10:17
